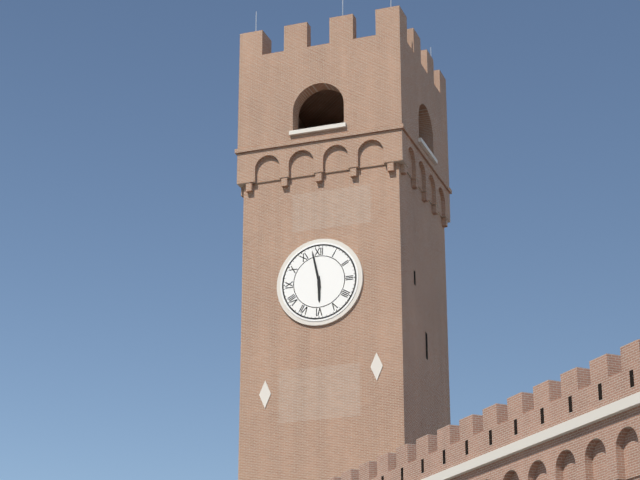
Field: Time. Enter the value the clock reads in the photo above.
5:58
